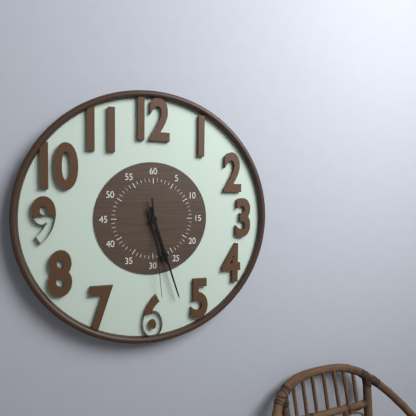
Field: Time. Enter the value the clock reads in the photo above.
5:27:29
